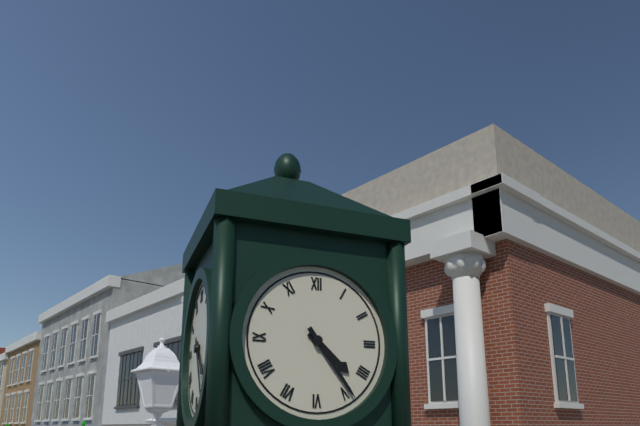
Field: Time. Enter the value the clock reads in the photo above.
4:24
